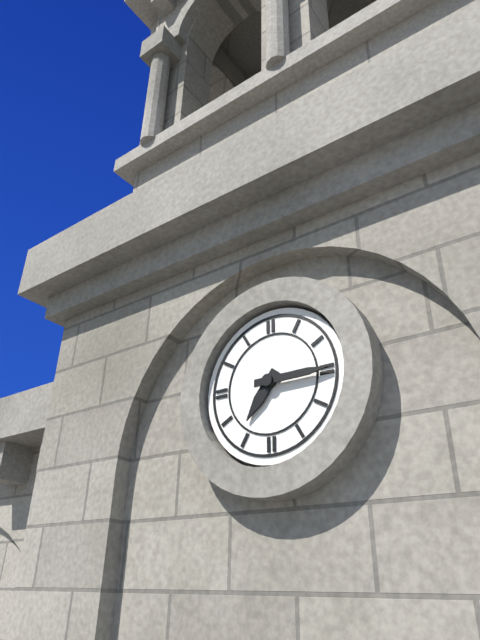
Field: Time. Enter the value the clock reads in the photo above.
7:15
